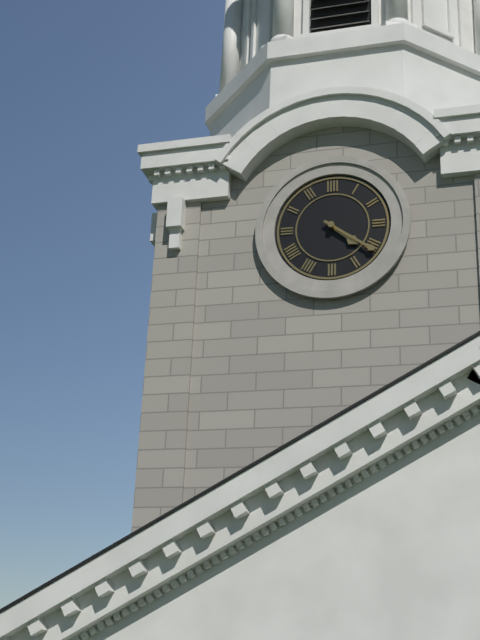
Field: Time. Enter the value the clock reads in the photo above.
4:21
